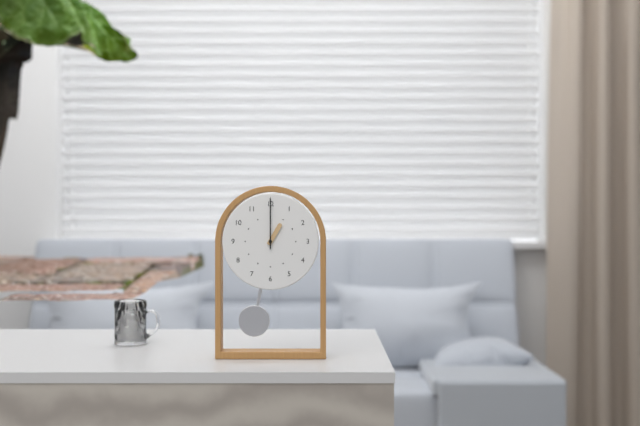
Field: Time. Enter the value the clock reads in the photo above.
1:00
